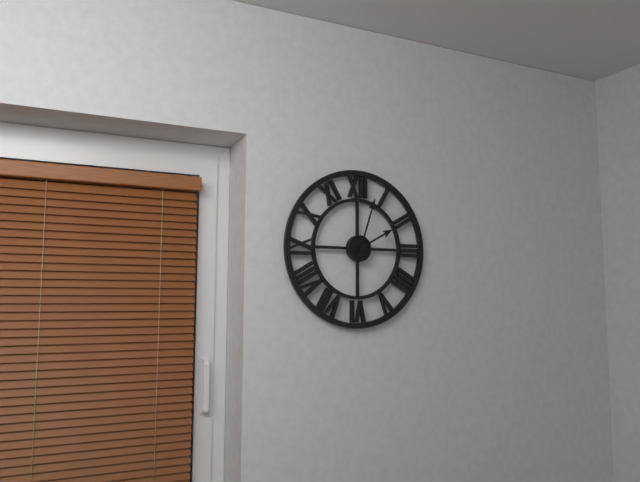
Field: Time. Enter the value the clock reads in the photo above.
2:03
